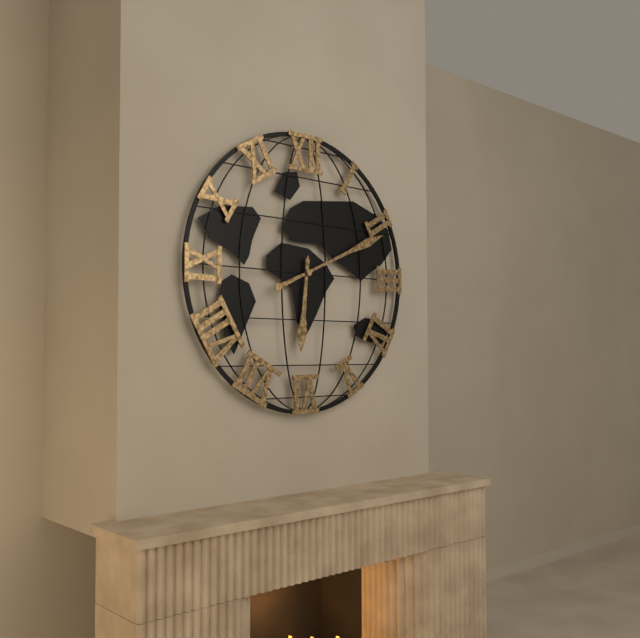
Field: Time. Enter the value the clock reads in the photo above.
6:11
